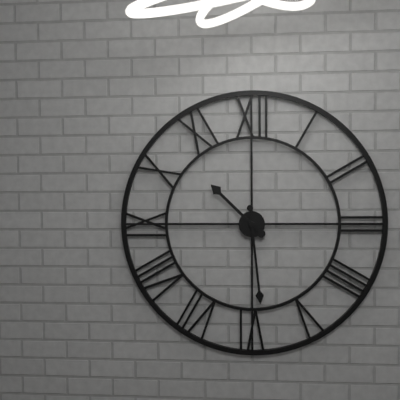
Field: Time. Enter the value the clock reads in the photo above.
10:29
